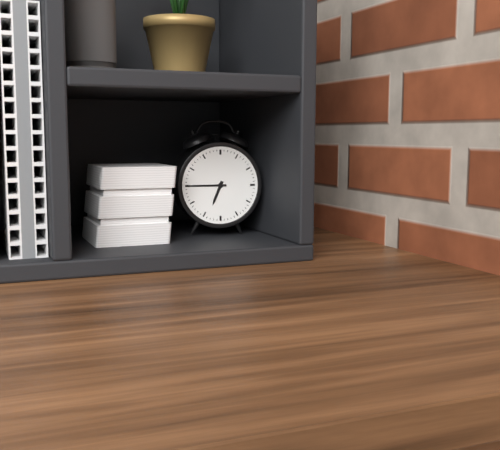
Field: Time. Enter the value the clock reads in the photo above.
6:45
